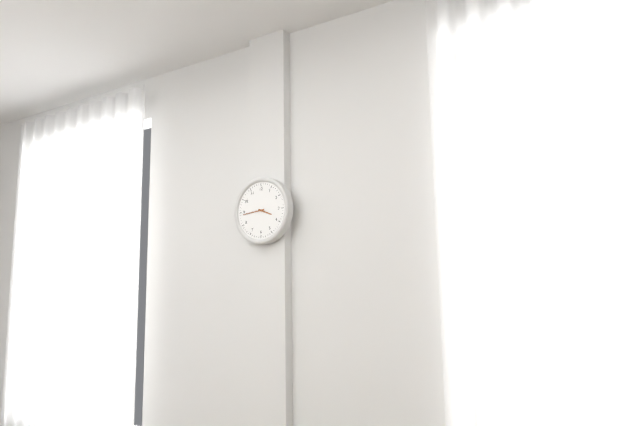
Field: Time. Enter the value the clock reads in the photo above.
3:44
